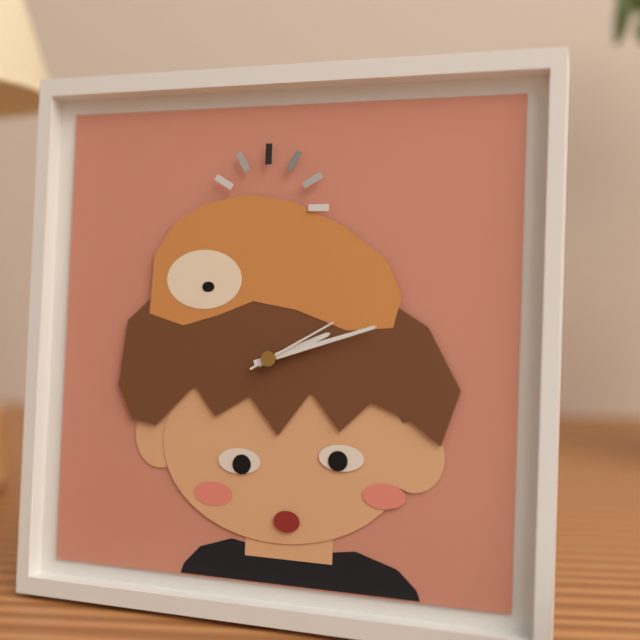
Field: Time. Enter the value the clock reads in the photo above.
2:12:10
